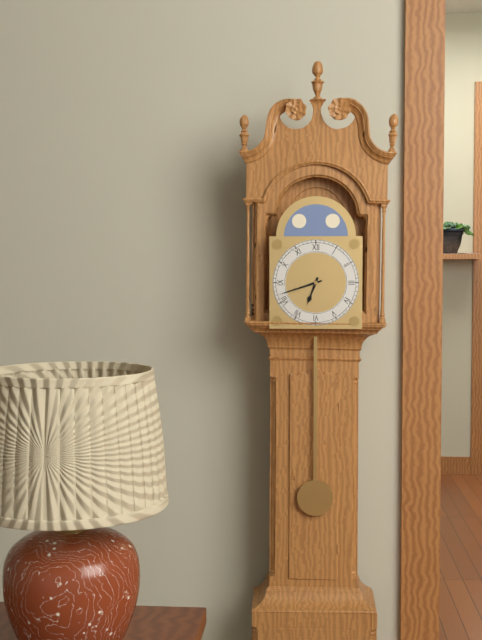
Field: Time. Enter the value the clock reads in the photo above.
6:42
